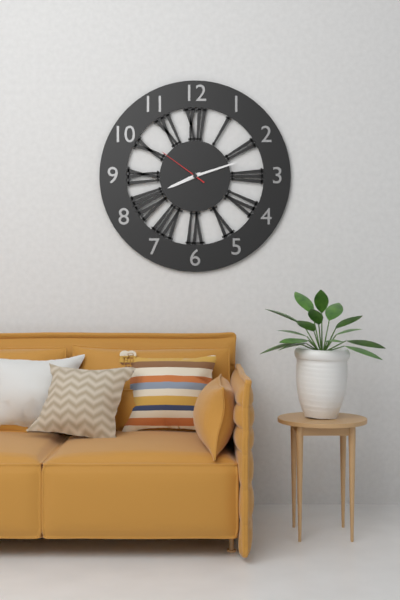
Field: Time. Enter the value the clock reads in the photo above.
8:12:51
